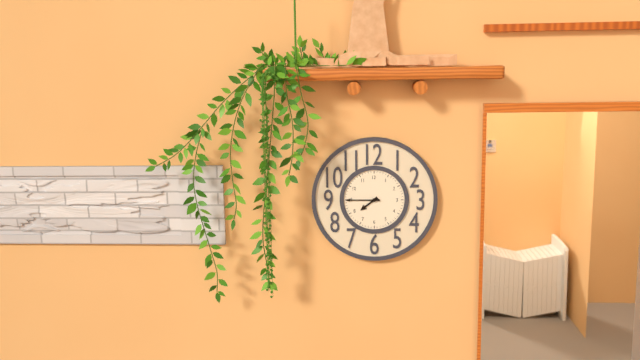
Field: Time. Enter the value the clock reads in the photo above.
7:45
